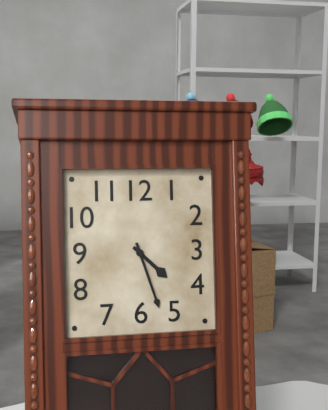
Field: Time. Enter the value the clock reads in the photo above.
4:27
